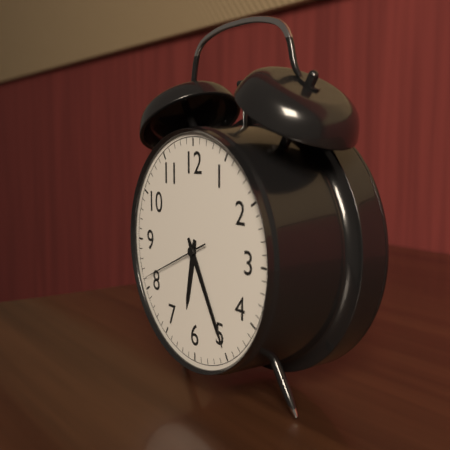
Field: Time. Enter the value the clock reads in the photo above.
6:25:41
